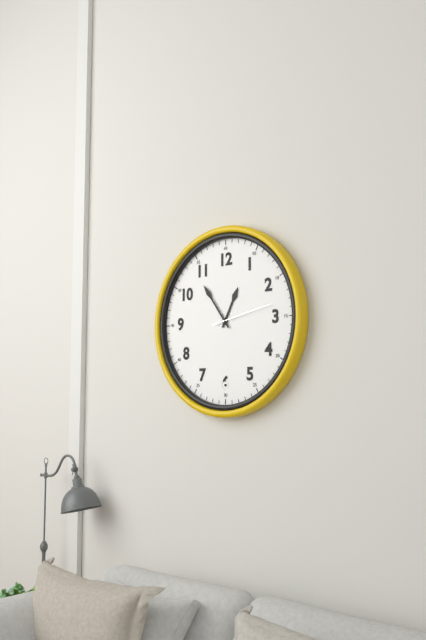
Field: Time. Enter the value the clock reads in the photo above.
12:54:13
